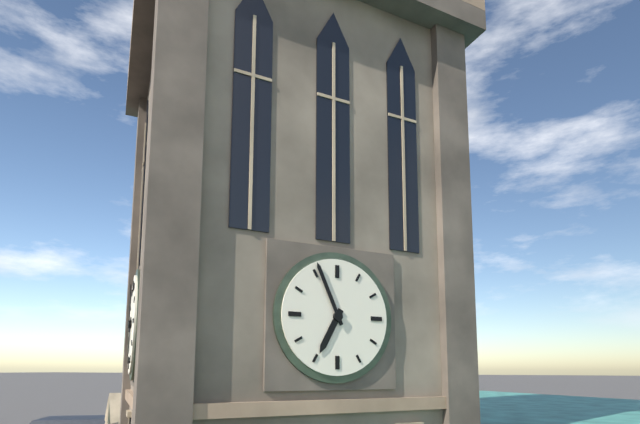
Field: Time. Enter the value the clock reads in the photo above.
6:56
